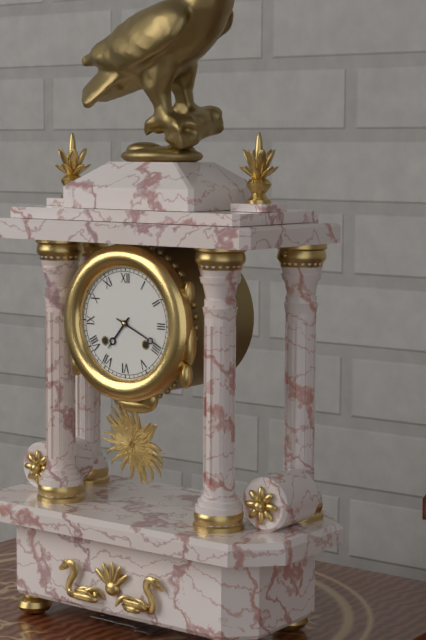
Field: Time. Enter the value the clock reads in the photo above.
7:19
